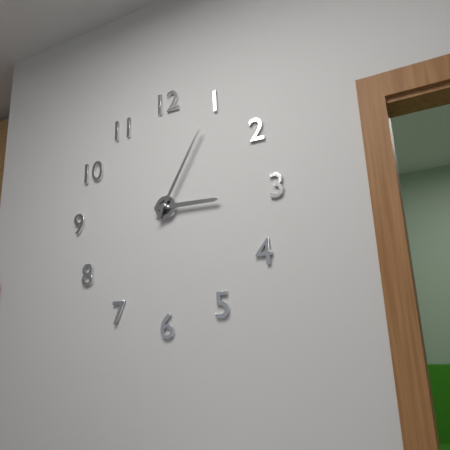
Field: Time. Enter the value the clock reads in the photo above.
3:05
